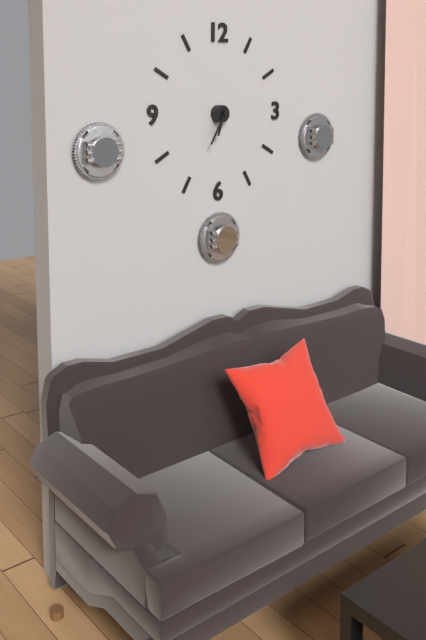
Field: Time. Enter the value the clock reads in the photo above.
6:35
